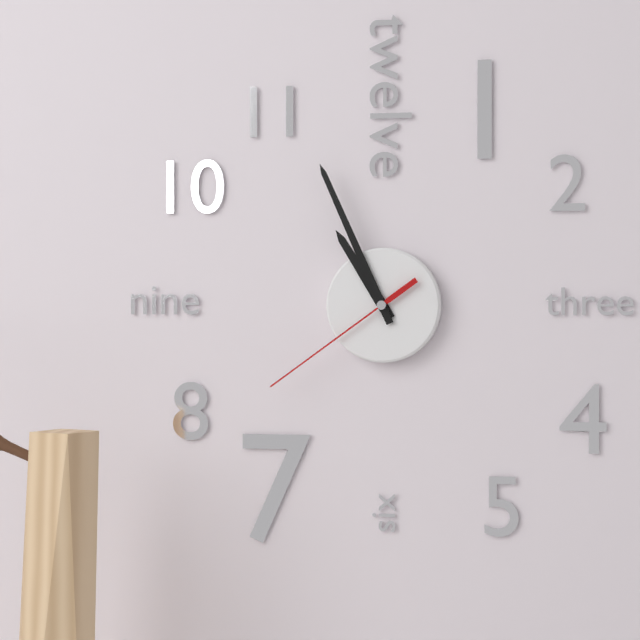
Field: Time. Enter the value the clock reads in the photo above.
10:56:39
